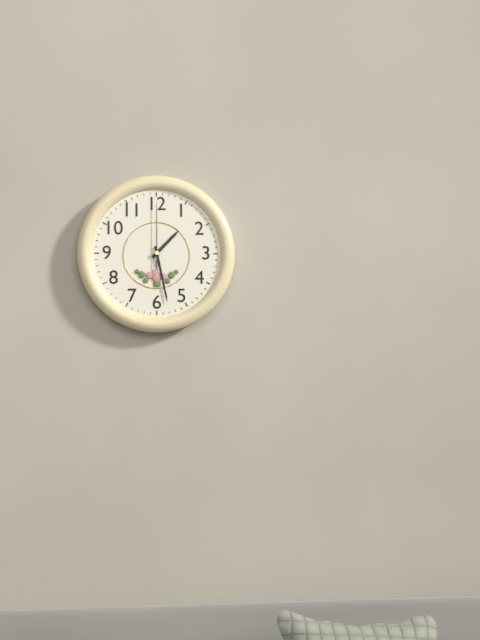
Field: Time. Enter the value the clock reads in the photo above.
1:28:00
